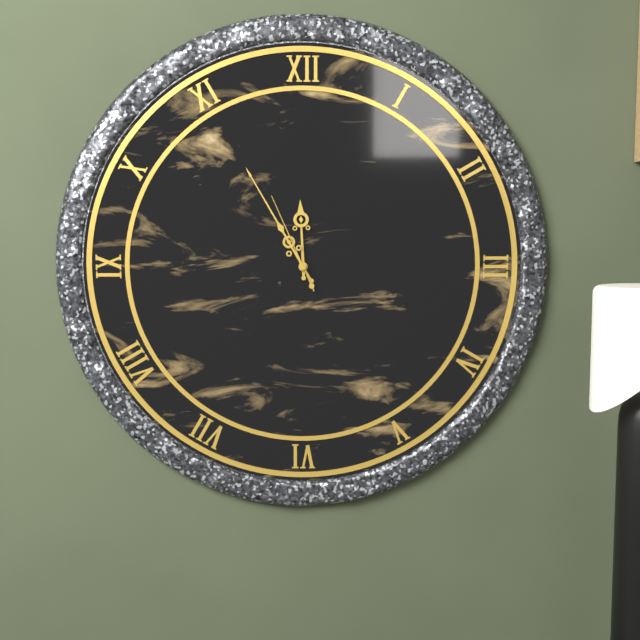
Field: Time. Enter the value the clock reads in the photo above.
11:55:56
